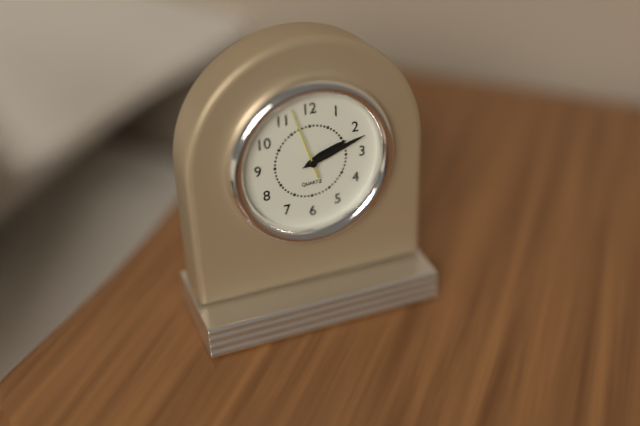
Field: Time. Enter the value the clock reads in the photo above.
2:12:57
